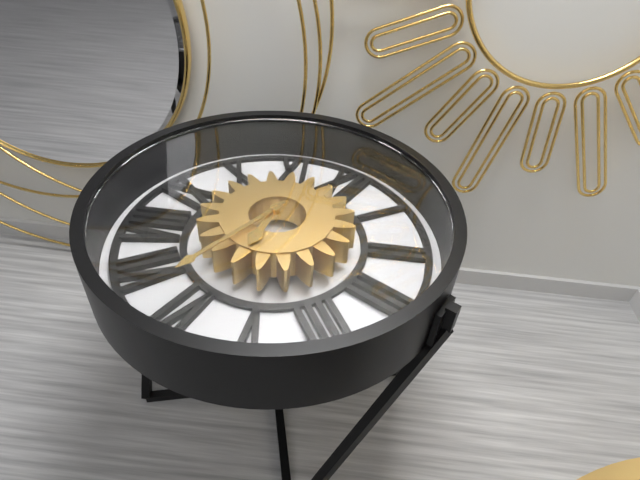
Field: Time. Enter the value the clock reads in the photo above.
5:31
